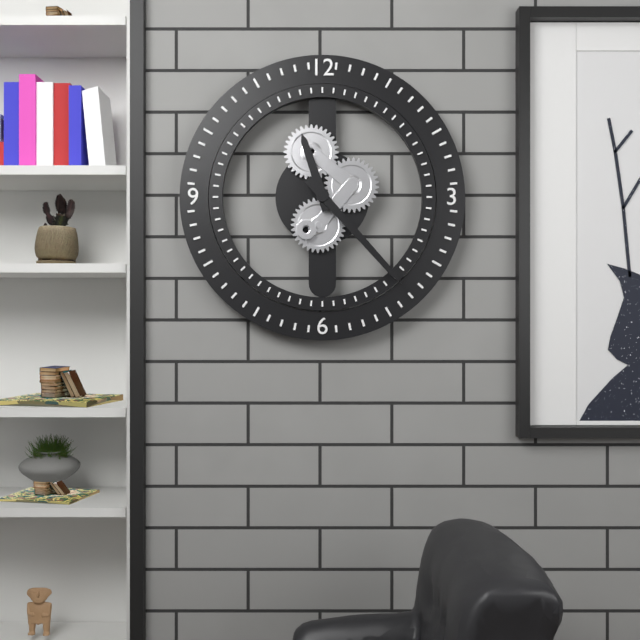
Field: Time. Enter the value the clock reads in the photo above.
11:23
